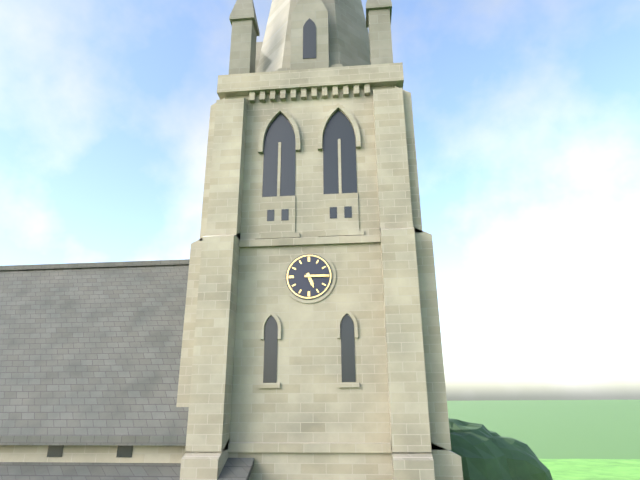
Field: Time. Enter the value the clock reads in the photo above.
5:15
